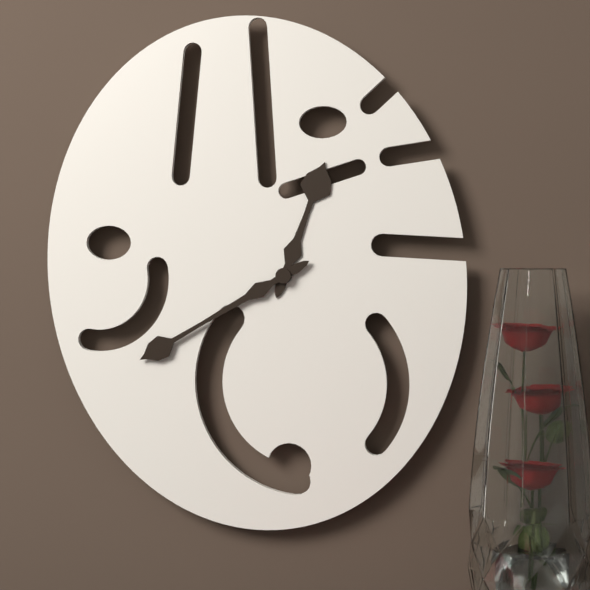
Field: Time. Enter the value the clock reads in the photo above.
12:40
